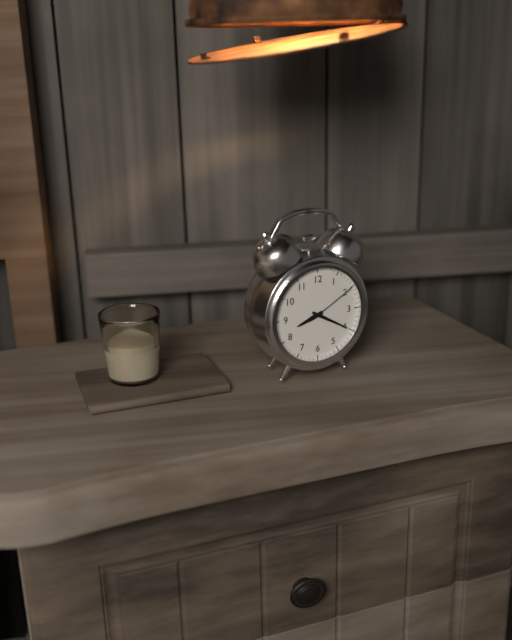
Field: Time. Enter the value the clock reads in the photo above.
8:20:10
